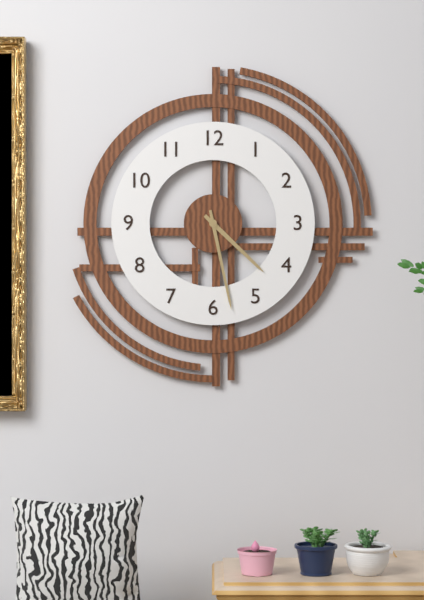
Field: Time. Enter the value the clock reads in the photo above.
4:28
